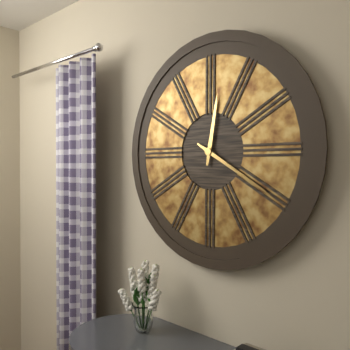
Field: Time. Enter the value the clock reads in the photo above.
12:20
